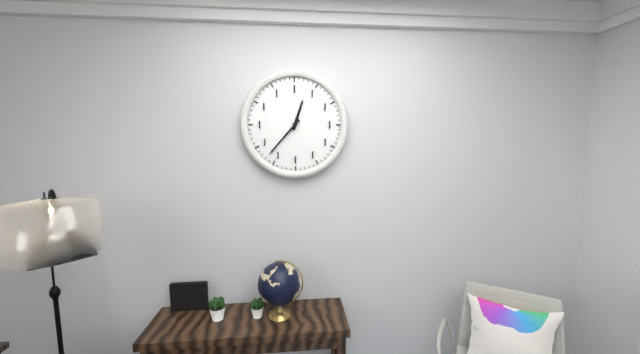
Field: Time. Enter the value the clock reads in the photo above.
12:37
